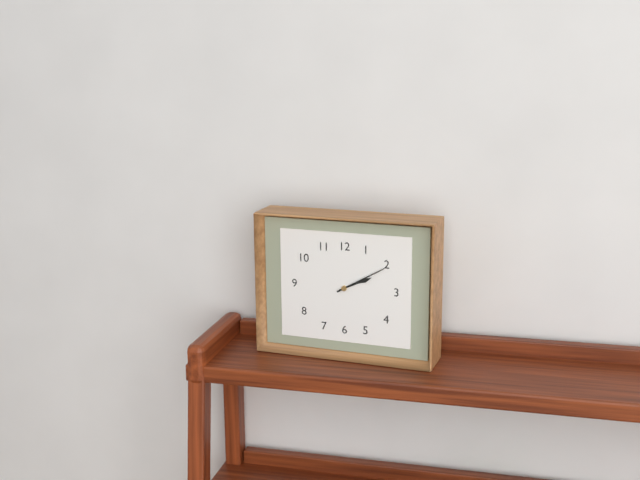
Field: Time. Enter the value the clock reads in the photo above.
2:10
